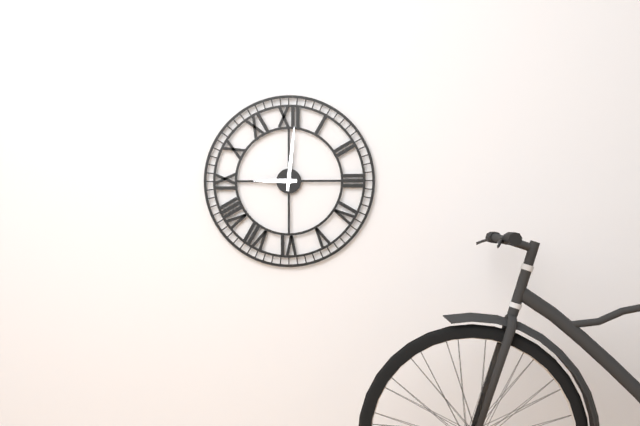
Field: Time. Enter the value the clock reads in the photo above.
9:01
